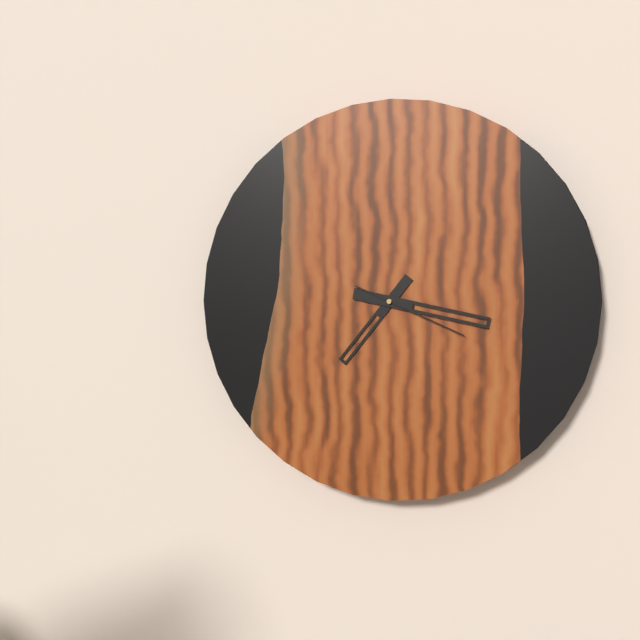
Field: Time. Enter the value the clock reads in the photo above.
7:17:19
